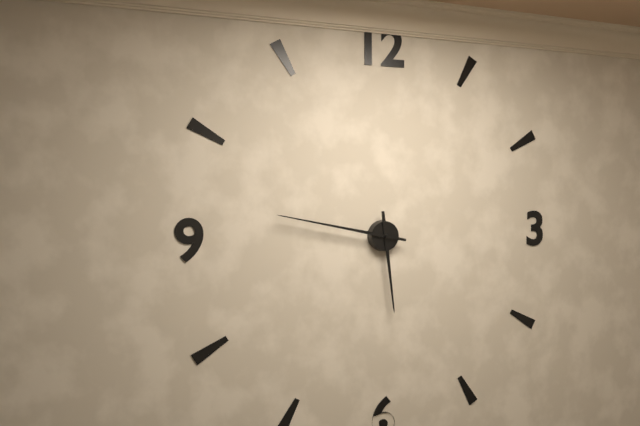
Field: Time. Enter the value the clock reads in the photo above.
5:47
